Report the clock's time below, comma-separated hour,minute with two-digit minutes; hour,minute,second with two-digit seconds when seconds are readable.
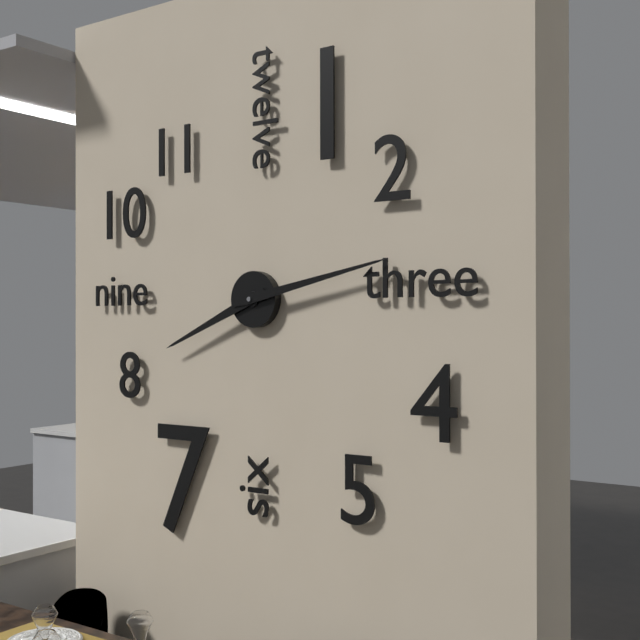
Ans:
8,13
